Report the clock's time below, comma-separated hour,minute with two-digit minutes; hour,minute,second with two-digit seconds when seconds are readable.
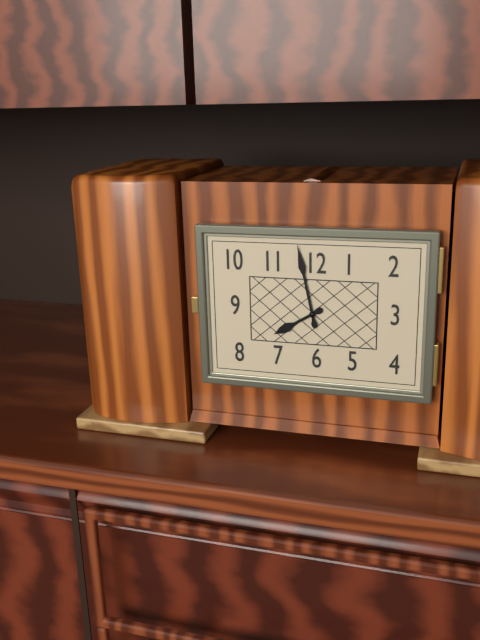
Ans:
7,58
